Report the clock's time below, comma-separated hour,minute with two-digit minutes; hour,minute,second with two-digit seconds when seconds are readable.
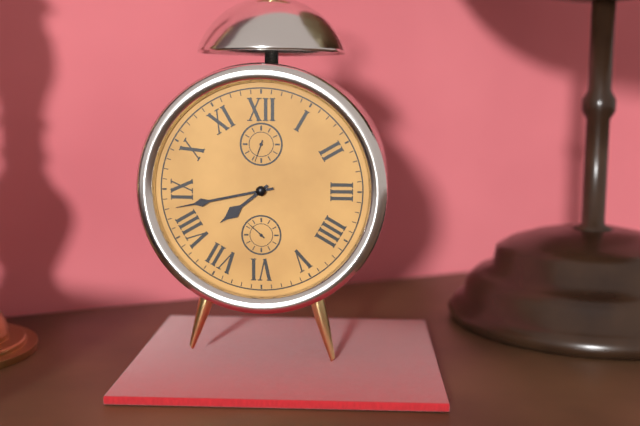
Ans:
7,43
